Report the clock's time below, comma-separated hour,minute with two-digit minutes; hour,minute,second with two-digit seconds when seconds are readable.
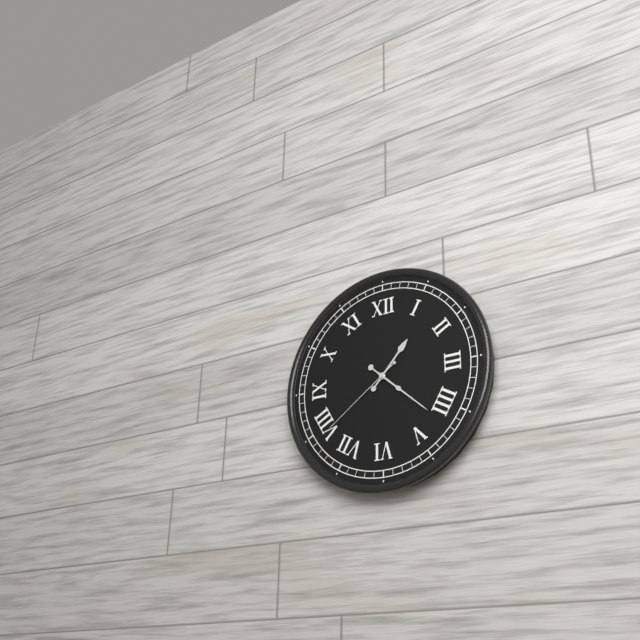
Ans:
1,22,39
